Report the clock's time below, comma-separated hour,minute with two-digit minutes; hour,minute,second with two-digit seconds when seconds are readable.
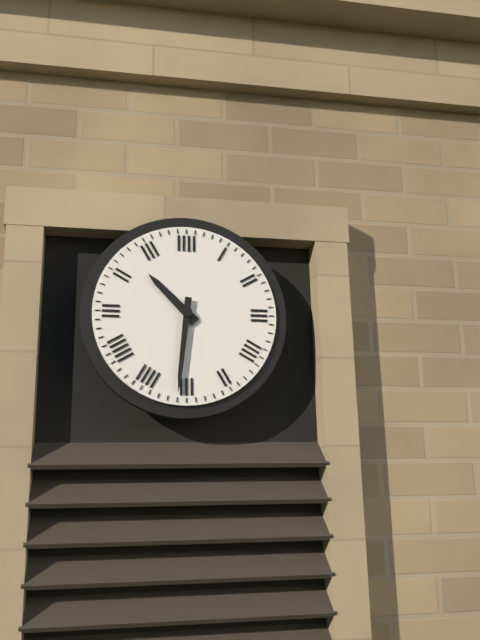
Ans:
10,31
